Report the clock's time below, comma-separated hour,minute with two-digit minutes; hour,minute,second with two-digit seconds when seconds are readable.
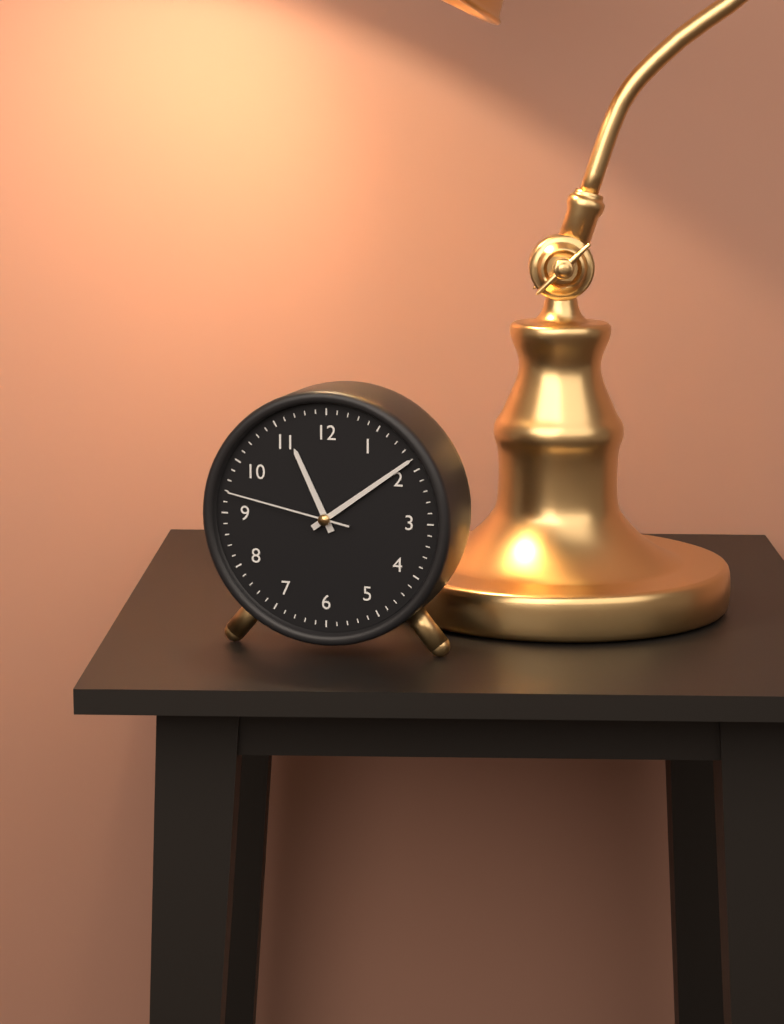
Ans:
11,09,47
